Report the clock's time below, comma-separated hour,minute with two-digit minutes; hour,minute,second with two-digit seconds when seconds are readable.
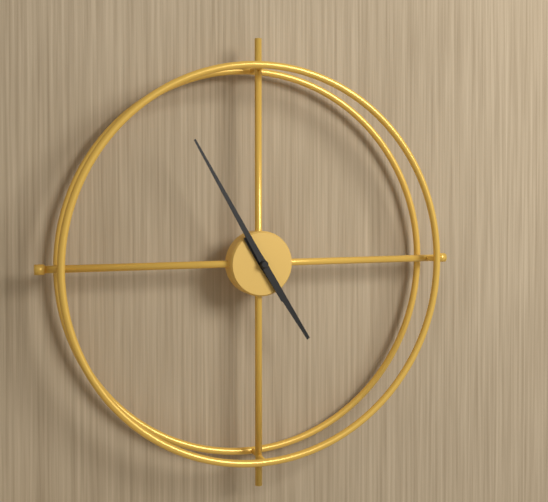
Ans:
4,55
